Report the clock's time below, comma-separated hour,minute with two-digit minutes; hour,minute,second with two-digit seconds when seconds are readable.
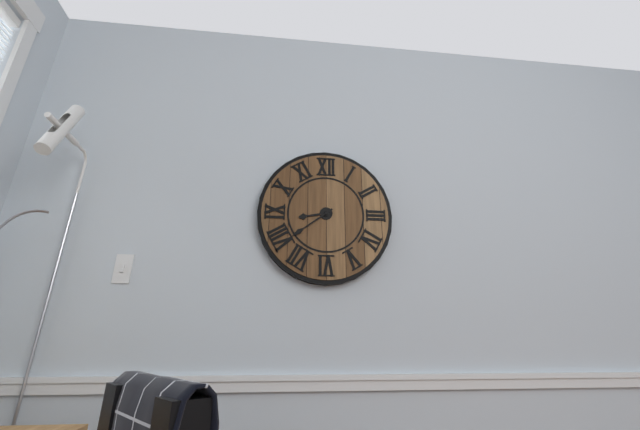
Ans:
8,39
